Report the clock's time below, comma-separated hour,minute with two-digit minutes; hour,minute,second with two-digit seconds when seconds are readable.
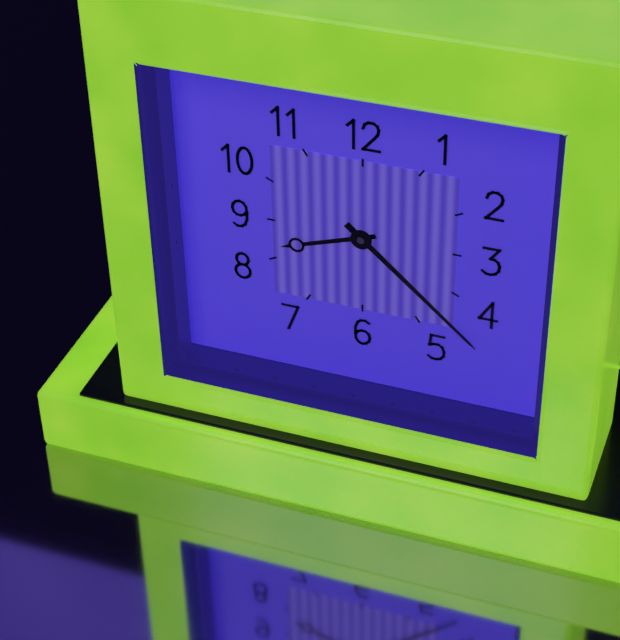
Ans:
8,22
